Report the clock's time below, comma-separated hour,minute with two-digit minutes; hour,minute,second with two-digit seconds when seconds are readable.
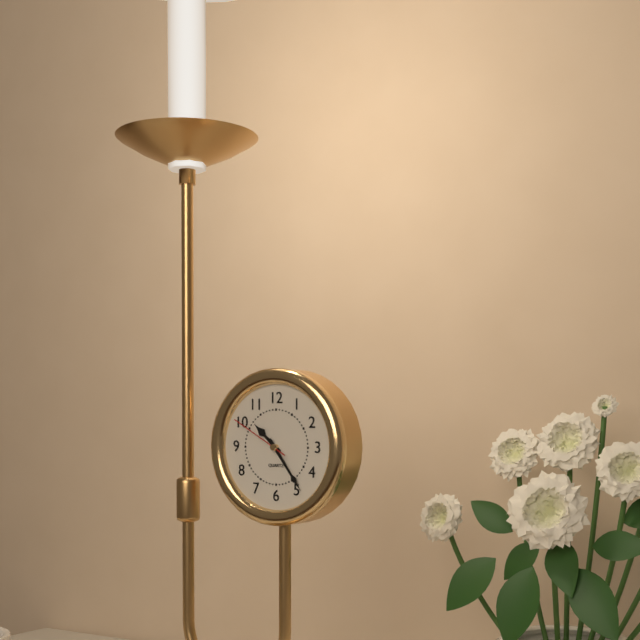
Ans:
10,24,50
